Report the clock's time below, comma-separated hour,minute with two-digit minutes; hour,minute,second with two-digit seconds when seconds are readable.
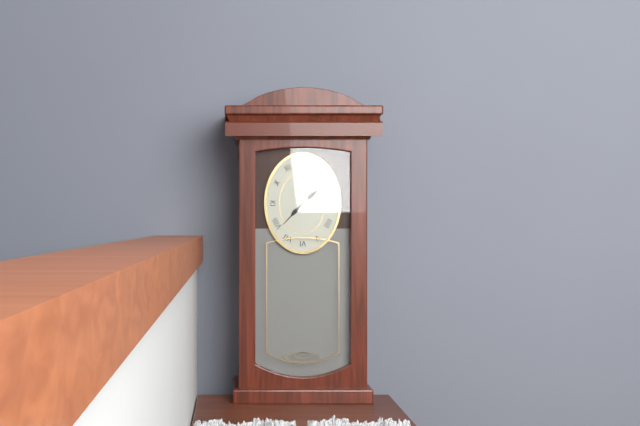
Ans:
1,37
